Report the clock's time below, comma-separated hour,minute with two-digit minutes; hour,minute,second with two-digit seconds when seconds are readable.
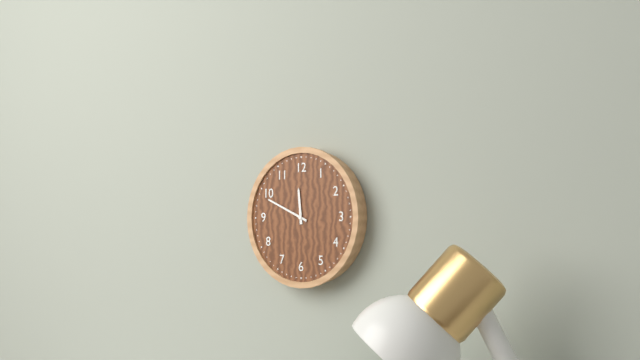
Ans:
11,49
